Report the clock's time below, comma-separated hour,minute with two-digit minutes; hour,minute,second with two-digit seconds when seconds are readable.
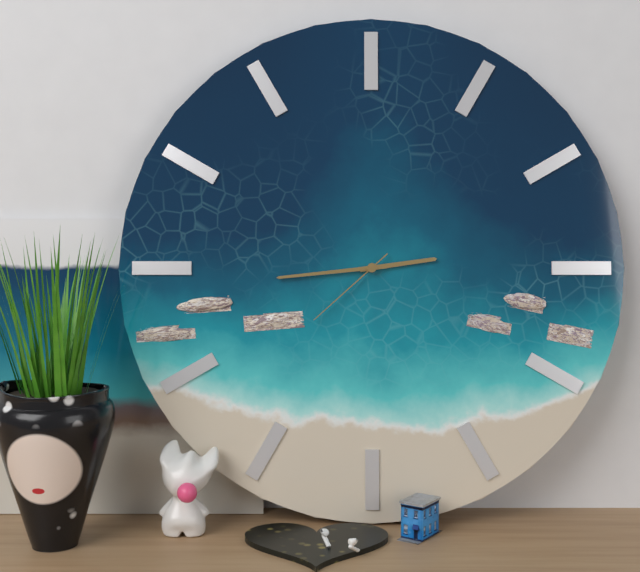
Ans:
2,44,38
